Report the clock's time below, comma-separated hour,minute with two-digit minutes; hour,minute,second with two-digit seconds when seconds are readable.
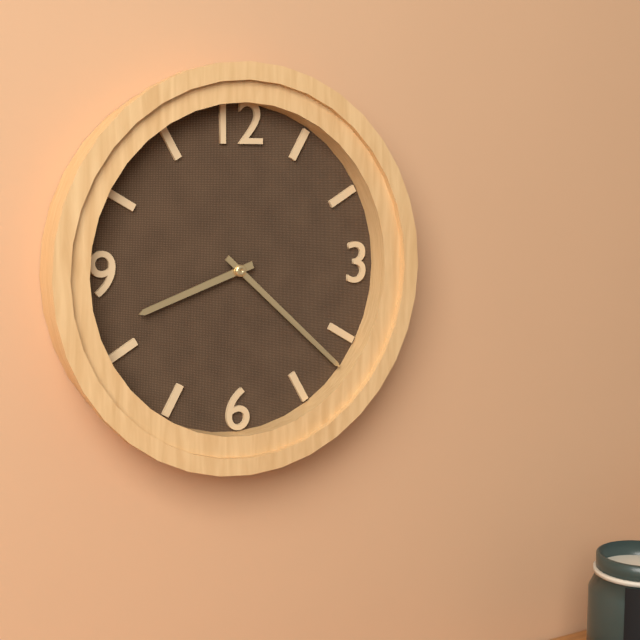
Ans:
8,22
